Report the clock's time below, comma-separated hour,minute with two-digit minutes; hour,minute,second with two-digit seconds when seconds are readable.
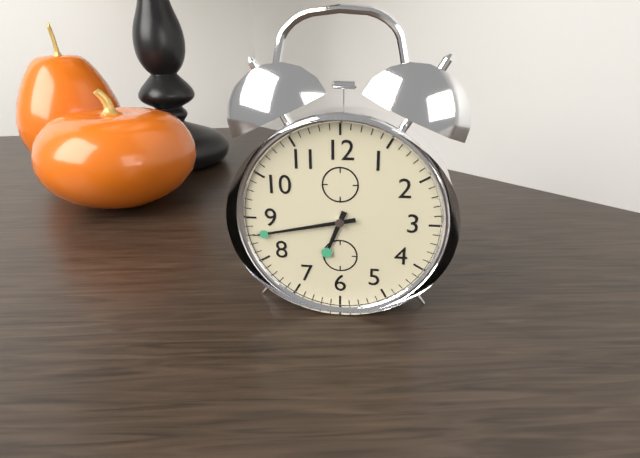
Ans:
6,43
